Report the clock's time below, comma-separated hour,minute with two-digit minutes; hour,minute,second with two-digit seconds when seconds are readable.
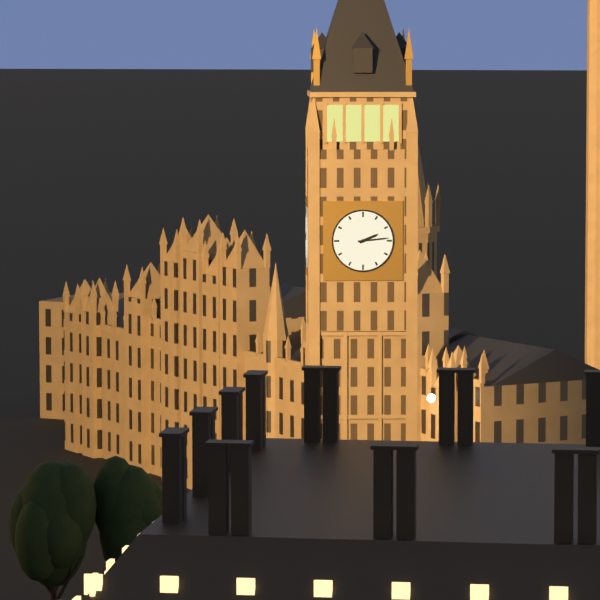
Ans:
2,14
